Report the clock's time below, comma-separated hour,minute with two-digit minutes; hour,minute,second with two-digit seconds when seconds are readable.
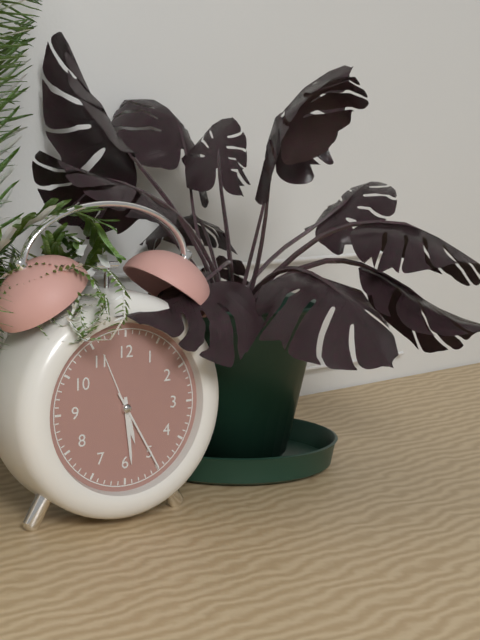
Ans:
5,29,25
